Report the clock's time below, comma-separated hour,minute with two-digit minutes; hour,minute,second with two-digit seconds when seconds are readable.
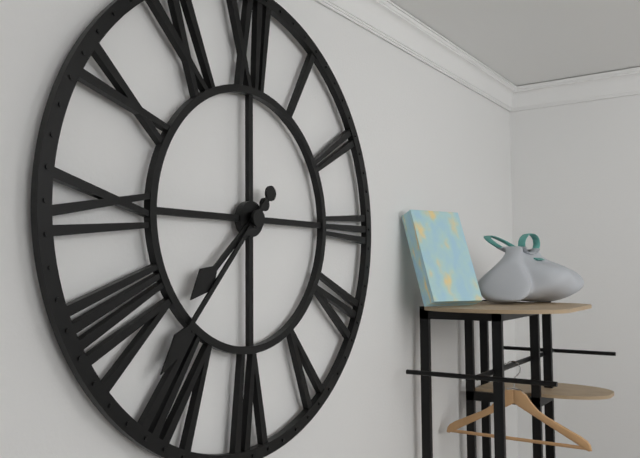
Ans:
7,37
